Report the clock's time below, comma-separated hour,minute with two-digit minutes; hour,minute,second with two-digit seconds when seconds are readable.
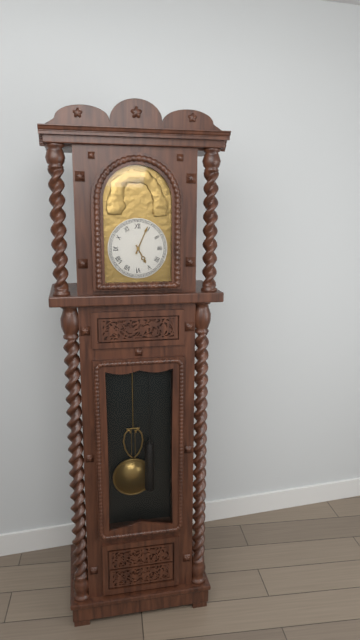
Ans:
5,04
